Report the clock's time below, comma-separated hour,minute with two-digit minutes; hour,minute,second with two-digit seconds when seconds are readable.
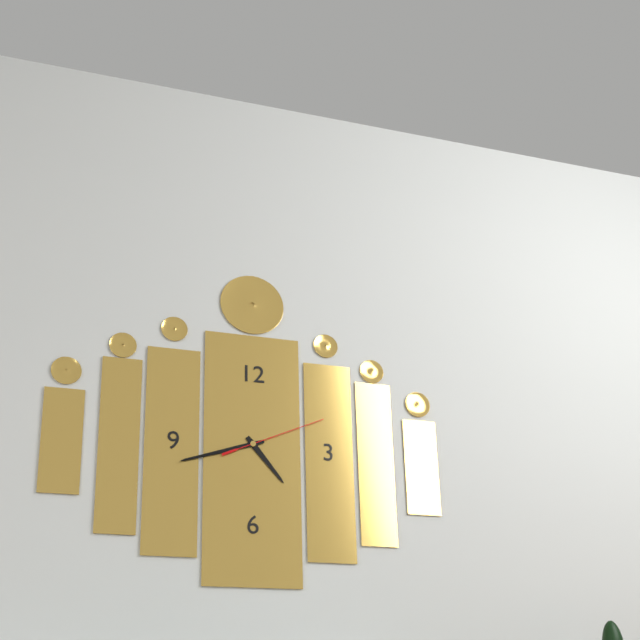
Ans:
4,42,11
